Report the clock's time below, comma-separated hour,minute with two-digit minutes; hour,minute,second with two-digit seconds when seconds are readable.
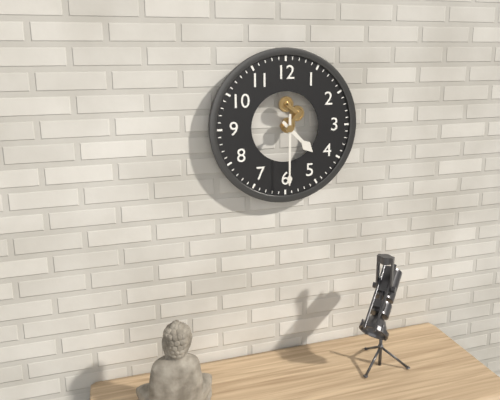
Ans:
4,30
